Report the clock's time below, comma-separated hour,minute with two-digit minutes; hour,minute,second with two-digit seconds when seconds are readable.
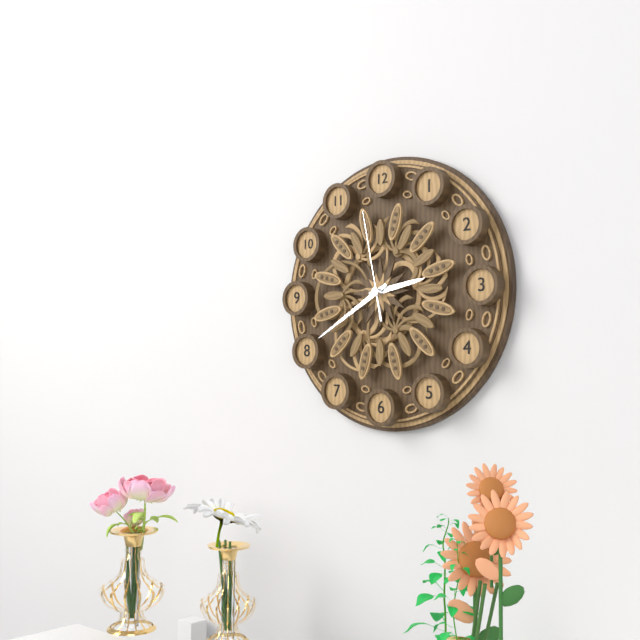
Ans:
2,40,58
